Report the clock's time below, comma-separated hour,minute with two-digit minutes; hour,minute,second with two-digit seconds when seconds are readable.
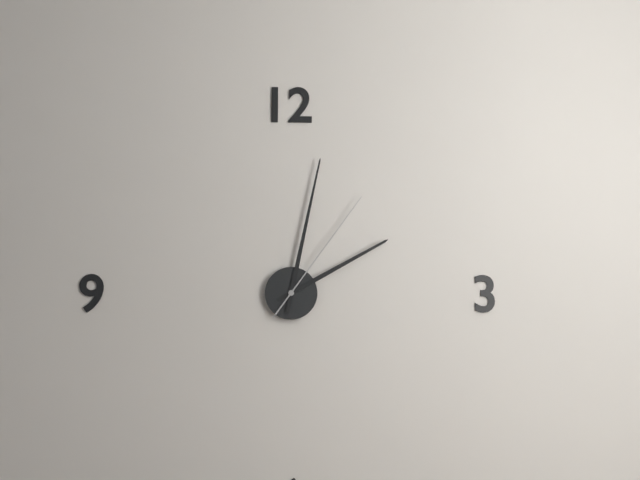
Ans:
2,02,06
